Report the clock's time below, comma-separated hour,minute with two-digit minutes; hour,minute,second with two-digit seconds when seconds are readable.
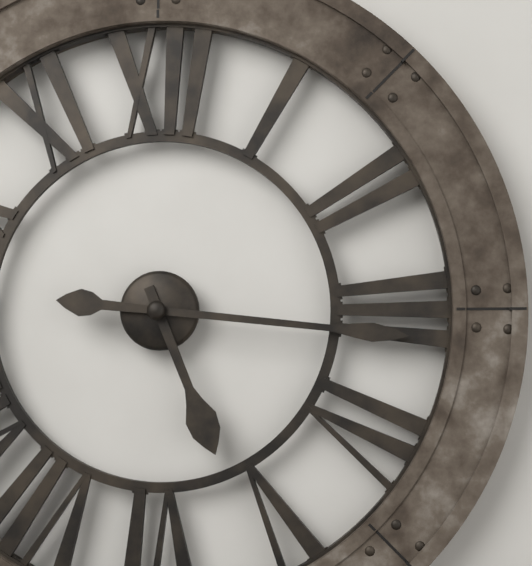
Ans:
5,16
